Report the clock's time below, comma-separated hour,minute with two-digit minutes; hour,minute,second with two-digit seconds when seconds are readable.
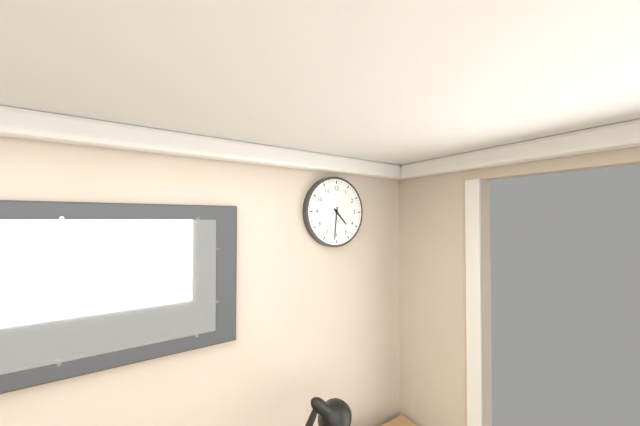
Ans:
4,31
